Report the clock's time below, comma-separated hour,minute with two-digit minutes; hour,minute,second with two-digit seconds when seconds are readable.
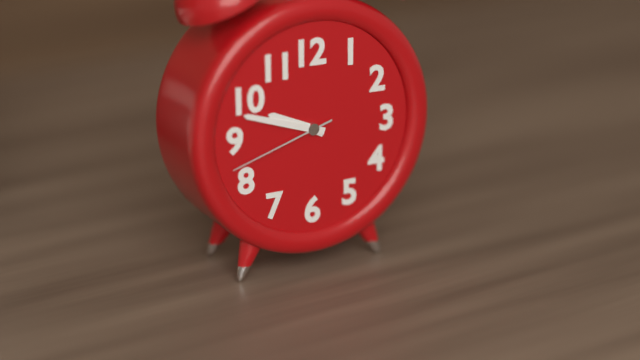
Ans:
9,48,42
